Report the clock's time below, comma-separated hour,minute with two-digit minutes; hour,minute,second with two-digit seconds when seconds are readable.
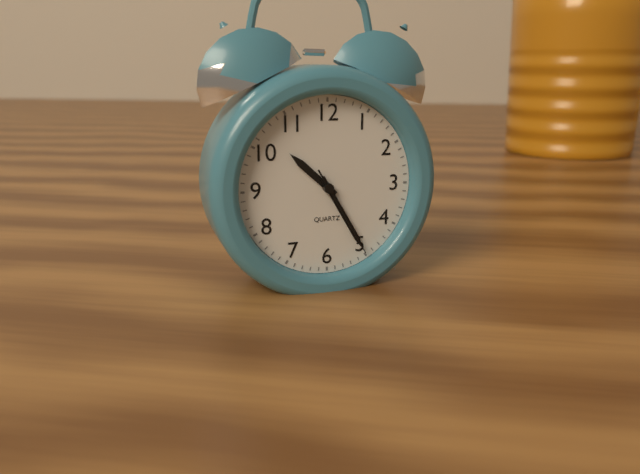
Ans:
10,25,25
